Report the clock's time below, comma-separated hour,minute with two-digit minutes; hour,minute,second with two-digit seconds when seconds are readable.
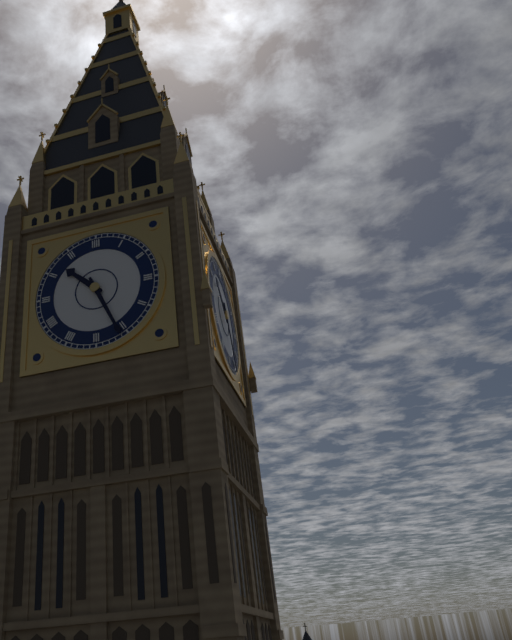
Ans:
10,26
